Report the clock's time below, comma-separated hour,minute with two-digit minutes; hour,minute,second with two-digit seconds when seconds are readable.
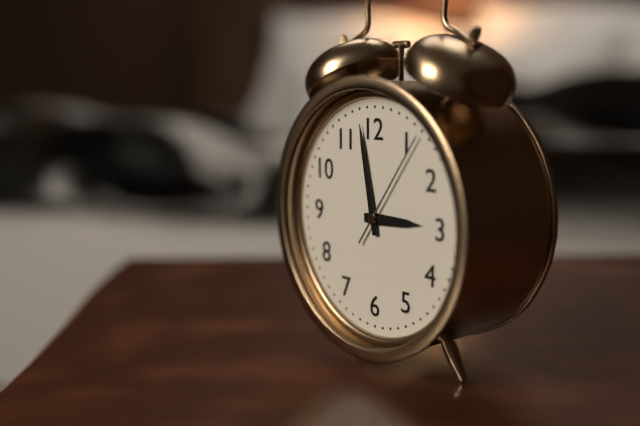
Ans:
2,58,06
